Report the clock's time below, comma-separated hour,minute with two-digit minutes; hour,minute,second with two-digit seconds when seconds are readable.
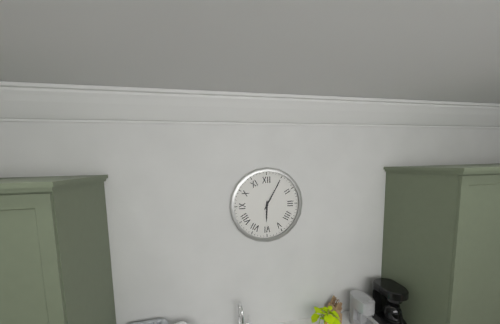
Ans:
6,05
